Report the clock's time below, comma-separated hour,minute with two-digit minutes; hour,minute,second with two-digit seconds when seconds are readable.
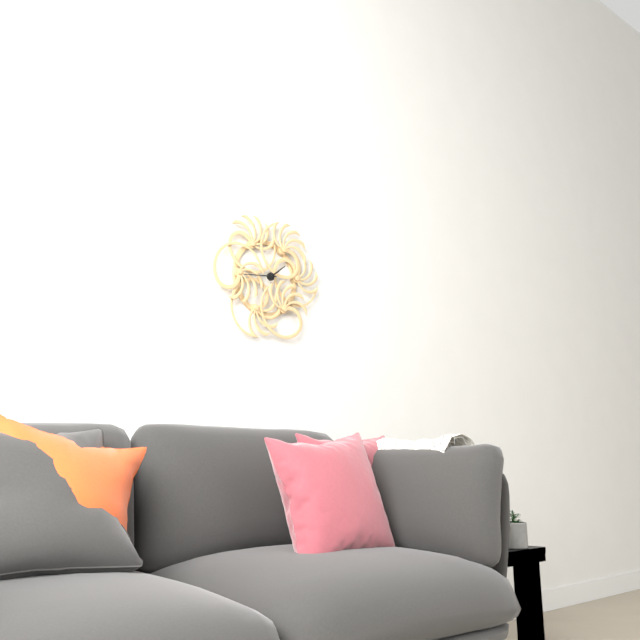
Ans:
1,44
